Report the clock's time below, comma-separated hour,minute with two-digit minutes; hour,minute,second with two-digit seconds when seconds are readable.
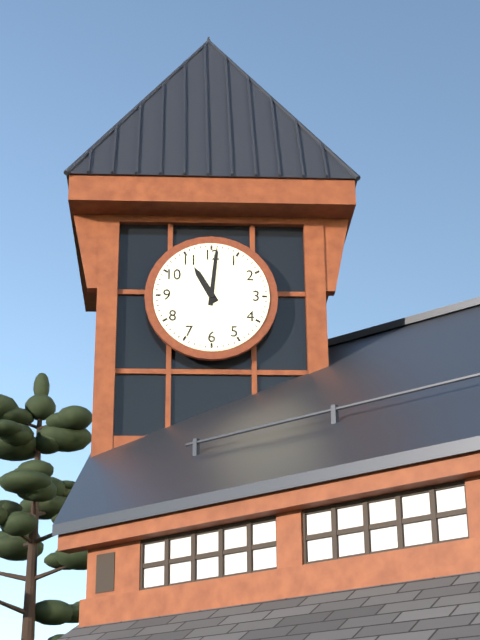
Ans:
11,01
